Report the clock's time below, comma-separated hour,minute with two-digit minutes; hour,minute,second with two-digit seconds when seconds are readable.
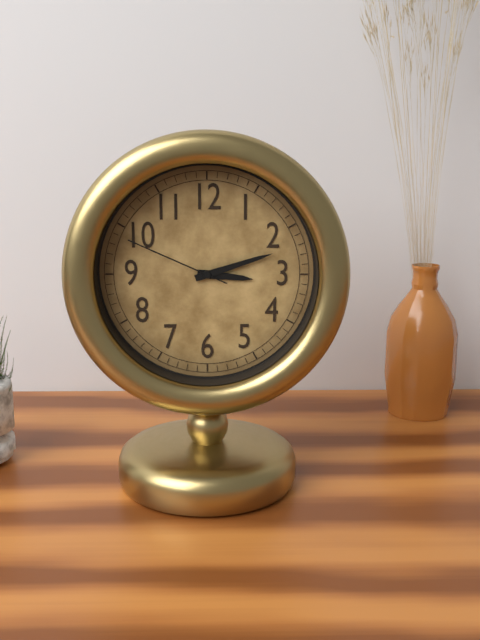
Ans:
3,12,49
